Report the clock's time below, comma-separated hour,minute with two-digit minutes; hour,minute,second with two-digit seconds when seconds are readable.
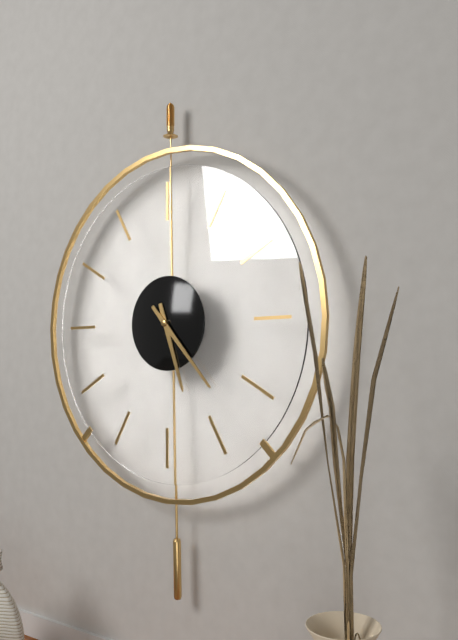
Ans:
5,23
